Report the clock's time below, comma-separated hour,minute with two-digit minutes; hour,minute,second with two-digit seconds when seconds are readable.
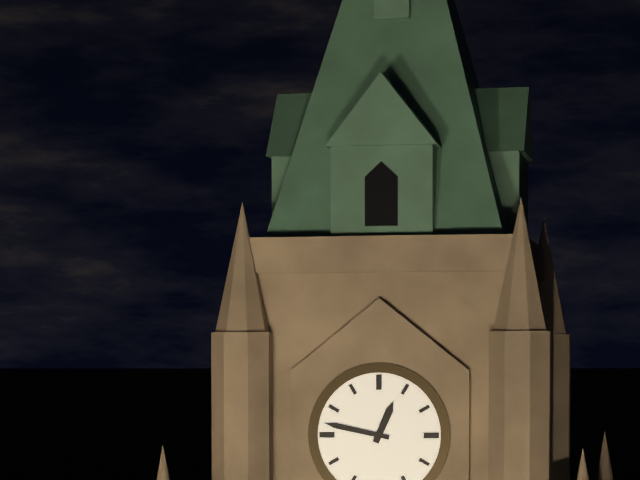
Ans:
12,47
